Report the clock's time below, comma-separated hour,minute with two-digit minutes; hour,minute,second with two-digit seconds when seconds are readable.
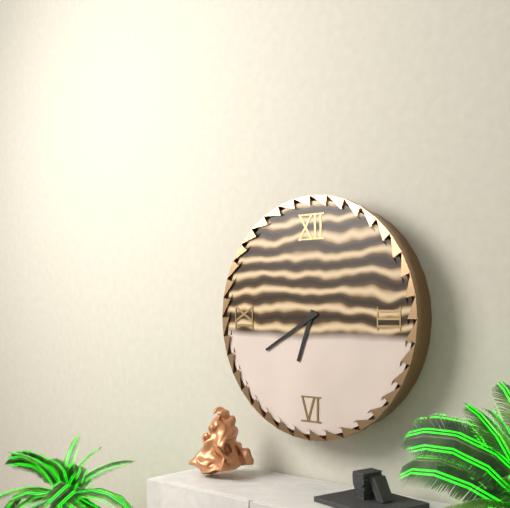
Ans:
6,40
